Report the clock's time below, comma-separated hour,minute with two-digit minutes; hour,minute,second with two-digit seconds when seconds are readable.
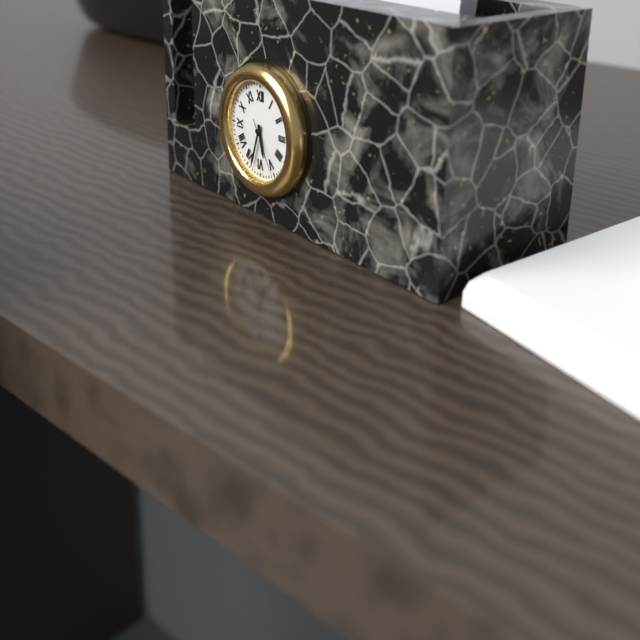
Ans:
5,33,25
